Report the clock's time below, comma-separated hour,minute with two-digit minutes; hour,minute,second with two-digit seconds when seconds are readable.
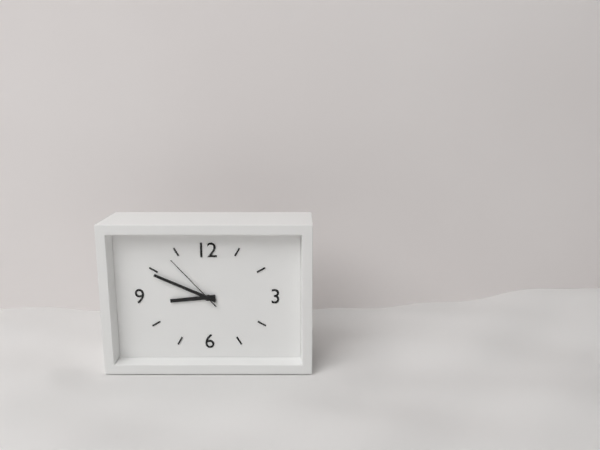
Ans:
8,49,53
